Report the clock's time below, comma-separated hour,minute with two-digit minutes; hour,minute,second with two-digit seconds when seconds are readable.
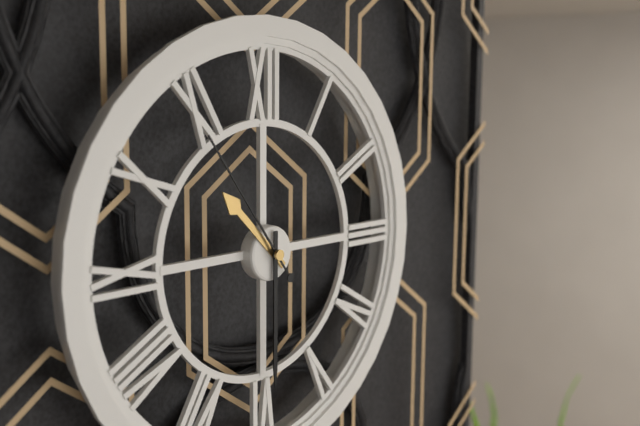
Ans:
10,30,54
